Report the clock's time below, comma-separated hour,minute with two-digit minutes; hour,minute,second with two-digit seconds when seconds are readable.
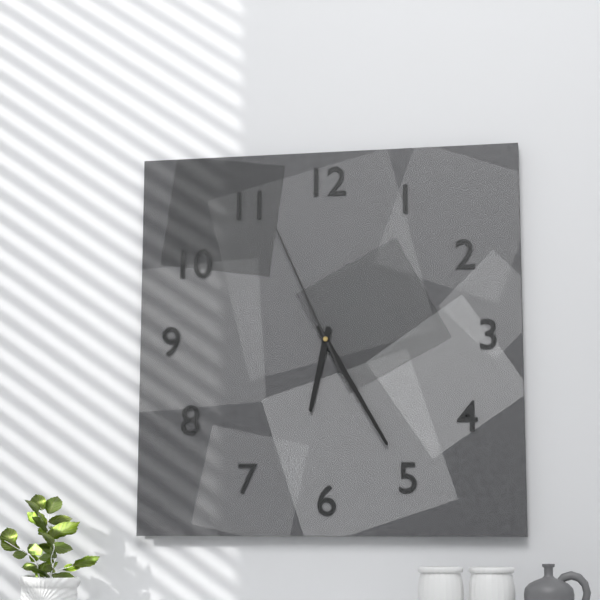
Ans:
6,25,56
